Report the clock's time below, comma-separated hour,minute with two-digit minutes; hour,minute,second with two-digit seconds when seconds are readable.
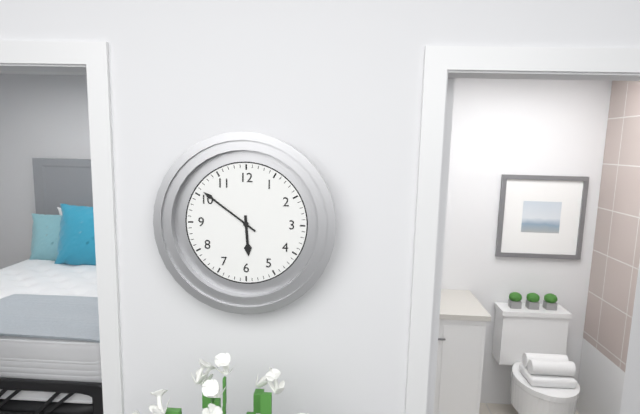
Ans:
5,51
